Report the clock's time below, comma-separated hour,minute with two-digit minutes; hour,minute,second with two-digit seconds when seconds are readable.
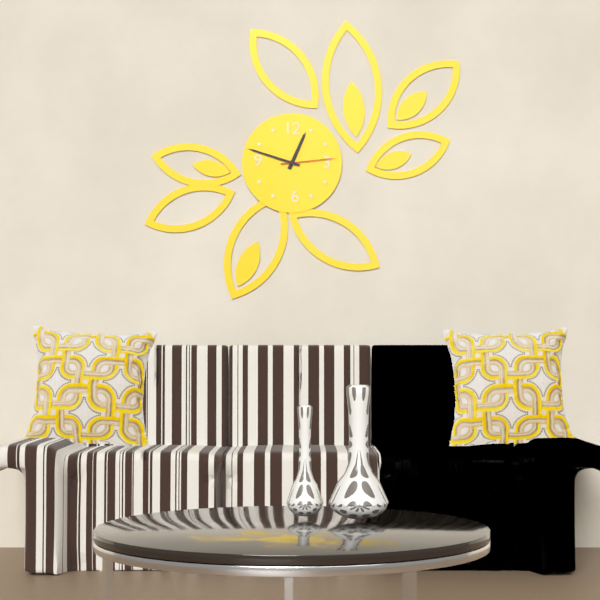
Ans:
12,48,14
